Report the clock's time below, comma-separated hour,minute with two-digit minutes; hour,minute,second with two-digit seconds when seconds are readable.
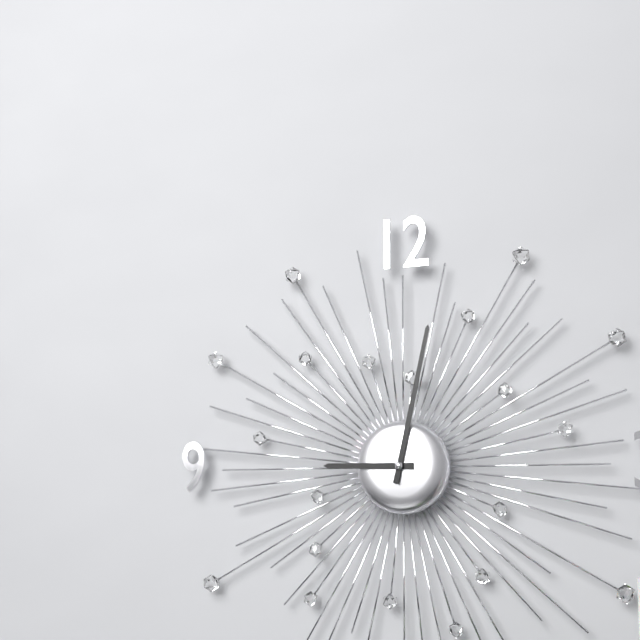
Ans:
9,02
